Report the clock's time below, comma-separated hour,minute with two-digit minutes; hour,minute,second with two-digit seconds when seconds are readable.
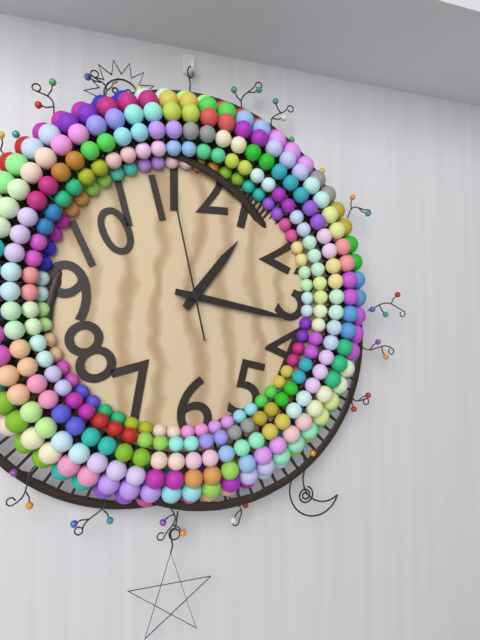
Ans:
1,17,58
